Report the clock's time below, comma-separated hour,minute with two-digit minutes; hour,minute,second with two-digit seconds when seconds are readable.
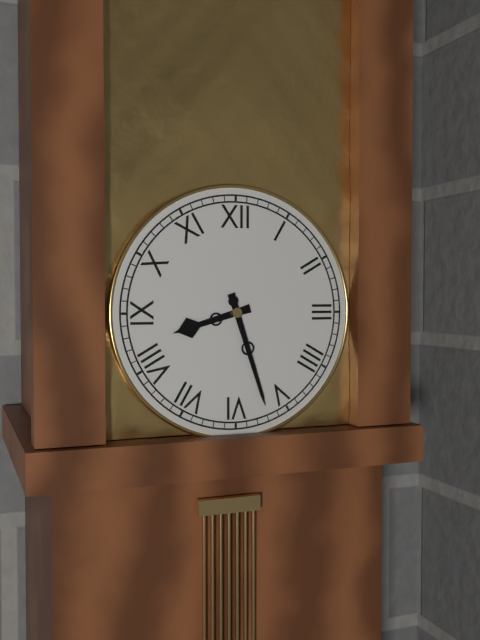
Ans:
8,27
